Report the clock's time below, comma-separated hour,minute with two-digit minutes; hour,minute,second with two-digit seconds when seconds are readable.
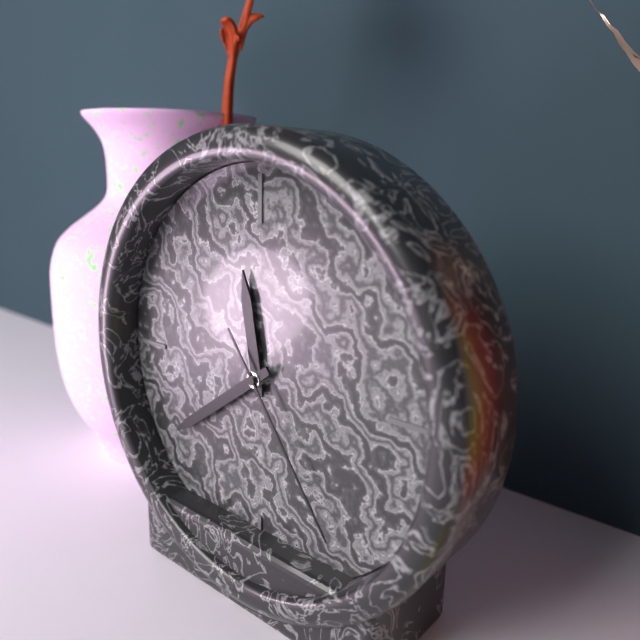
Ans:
11,39,24
